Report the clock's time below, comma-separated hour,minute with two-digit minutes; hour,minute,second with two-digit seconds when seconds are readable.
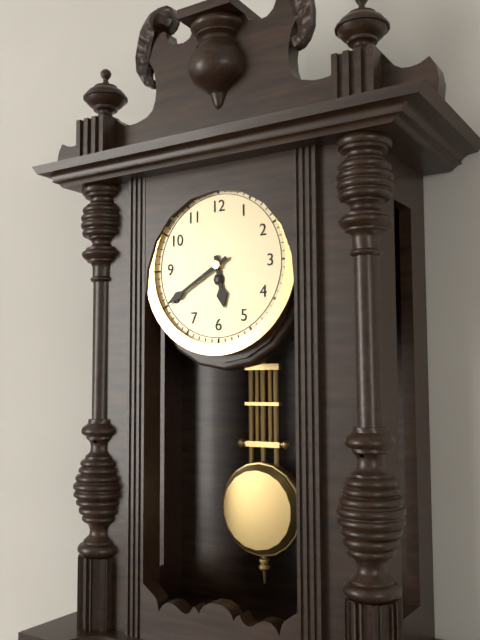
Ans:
5,40
